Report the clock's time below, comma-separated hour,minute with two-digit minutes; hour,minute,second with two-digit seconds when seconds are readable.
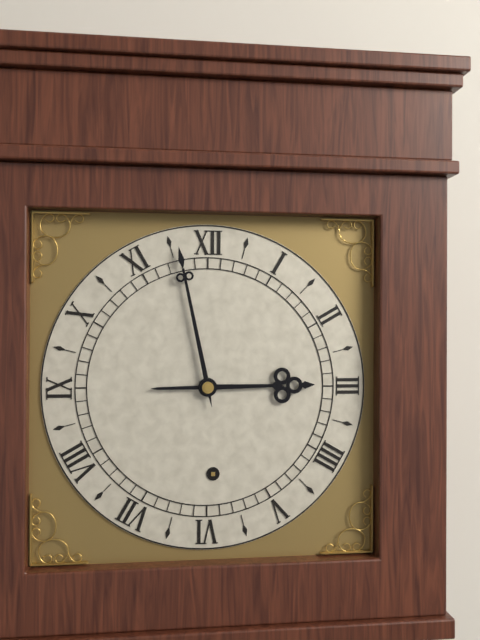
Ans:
2,58
